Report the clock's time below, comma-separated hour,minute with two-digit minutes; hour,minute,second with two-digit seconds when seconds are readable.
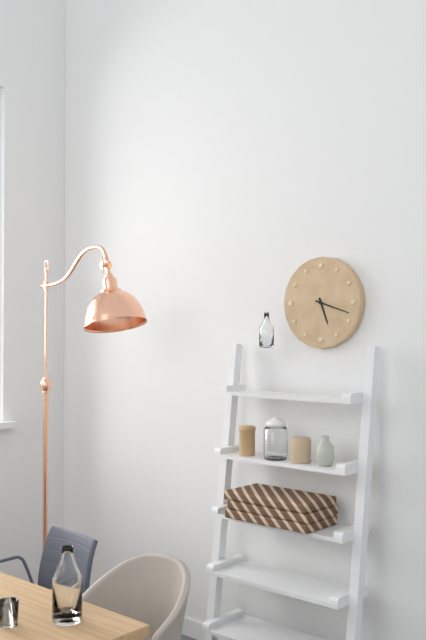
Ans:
5,18
